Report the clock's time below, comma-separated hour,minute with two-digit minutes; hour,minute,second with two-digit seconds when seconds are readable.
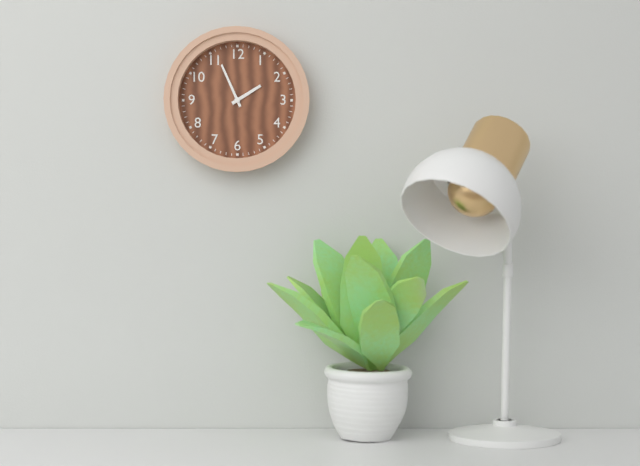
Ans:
1,56
